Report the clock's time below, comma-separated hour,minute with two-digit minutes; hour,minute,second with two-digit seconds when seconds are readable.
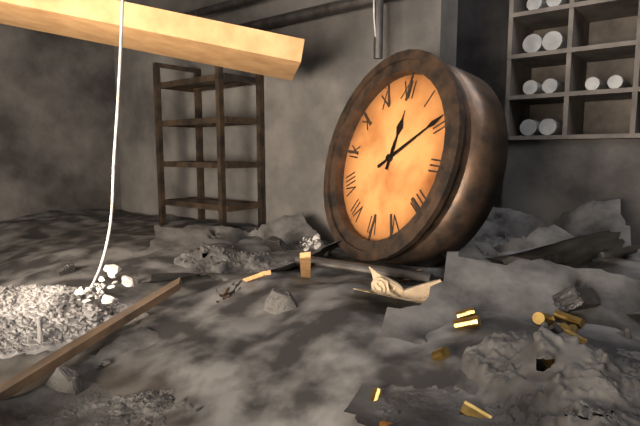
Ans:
12,09
